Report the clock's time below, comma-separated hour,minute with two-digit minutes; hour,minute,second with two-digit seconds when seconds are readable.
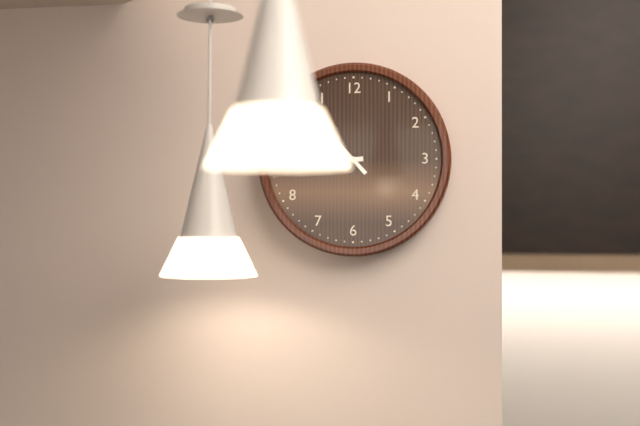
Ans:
8,53
